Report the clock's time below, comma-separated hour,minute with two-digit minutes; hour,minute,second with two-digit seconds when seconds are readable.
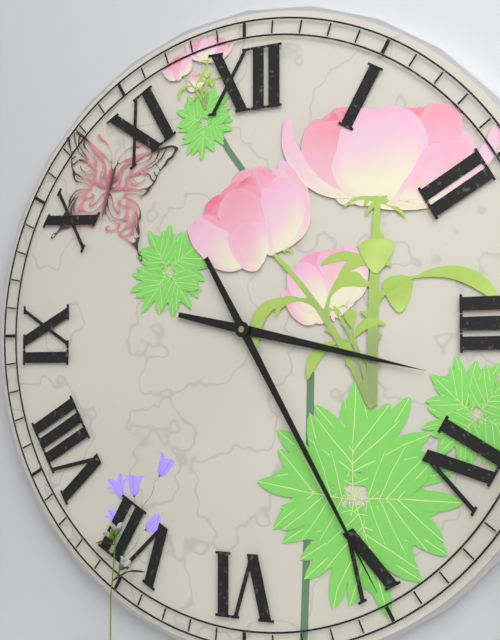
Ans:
3,25
